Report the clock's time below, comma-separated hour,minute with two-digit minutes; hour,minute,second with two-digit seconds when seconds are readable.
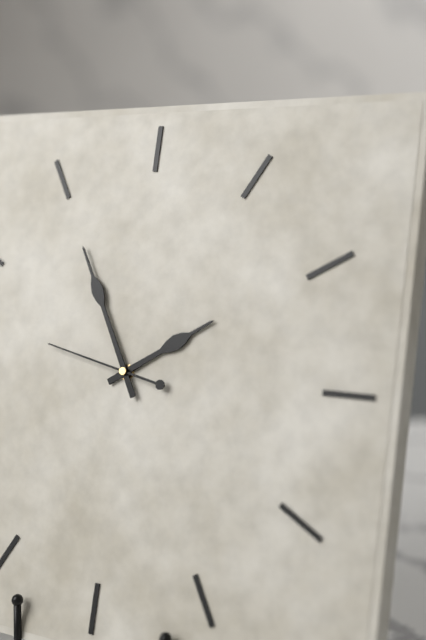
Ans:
1,55,47
